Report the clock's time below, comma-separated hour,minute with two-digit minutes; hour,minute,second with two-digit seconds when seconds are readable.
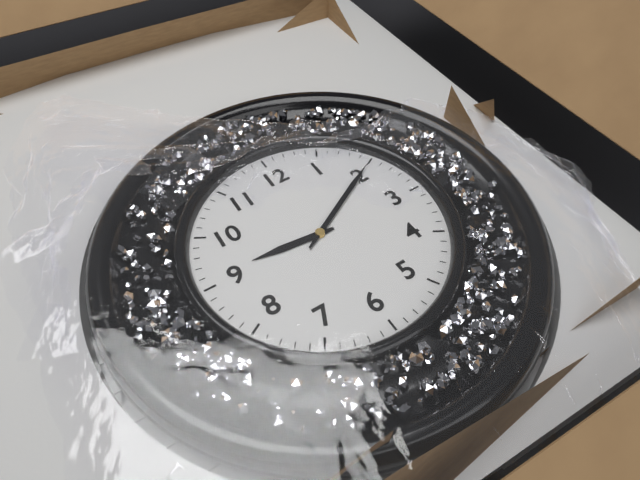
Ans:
9,10
